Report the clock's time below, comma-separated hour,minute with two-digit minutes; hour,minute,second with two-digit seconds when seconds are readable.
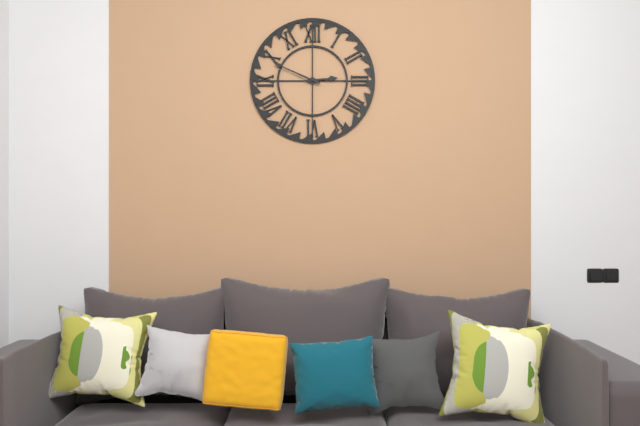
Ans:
2,49
